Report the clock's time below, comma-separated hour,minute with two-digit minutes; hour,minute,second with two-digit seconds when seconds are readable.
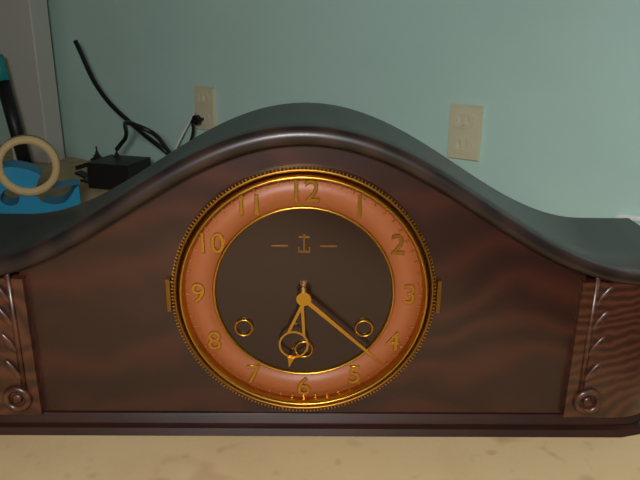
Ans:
6,22
